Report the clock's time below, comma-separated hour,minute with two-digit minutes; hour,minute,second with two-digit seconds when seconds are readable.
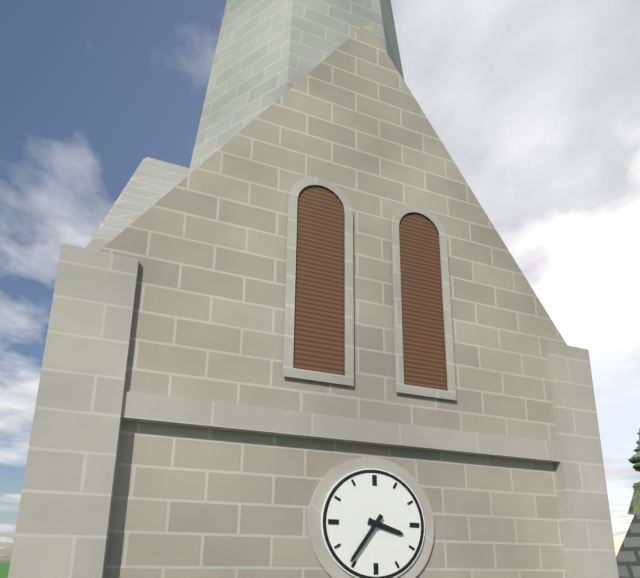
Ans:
3,36
